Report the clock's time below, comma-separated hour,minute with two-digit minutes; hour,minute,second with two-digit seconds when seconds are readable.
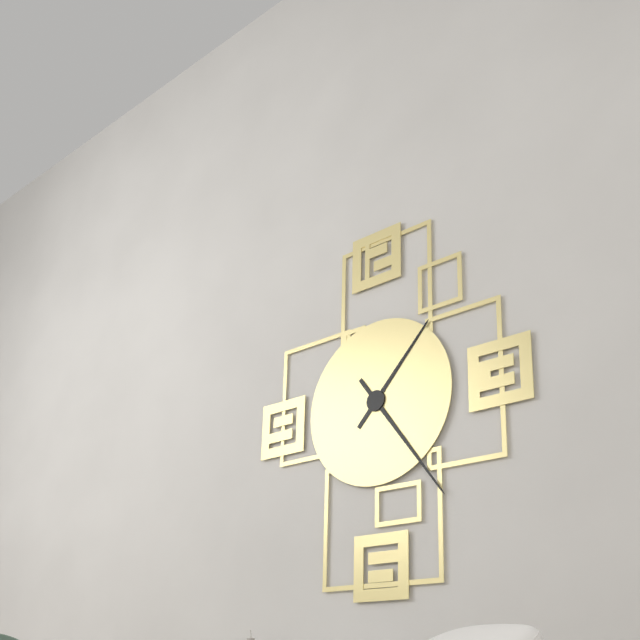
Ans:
1,24
